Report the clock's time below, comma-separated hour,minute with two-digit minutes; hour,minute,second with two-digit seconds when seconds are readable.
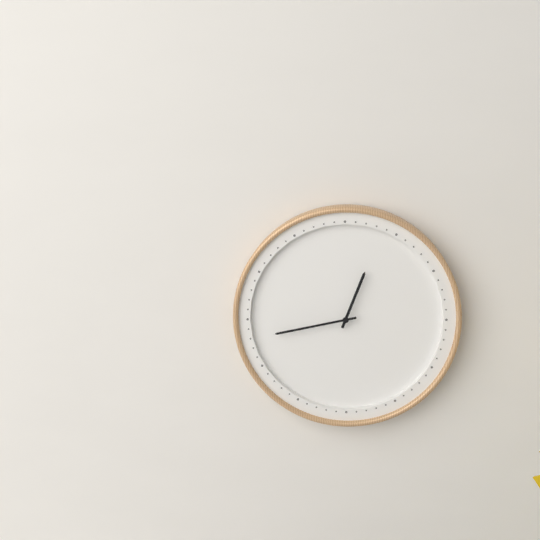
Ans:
12,43
